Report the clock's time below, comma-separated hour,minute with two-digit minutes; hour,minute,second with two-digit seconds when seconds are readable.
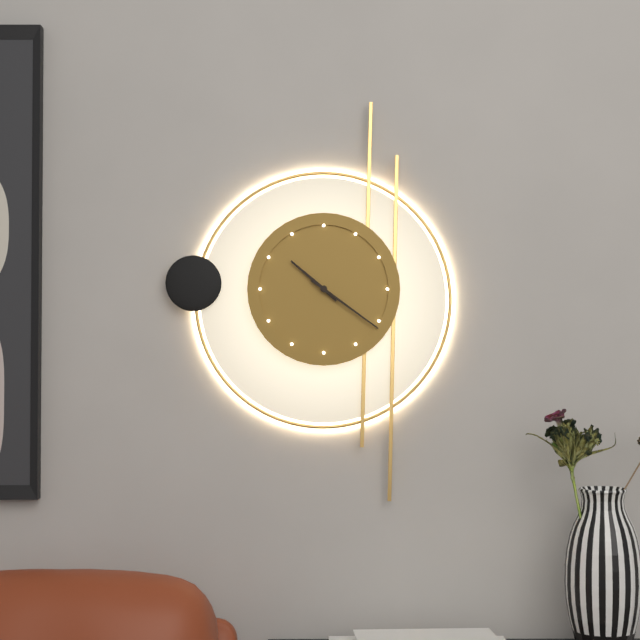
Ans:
10,21
